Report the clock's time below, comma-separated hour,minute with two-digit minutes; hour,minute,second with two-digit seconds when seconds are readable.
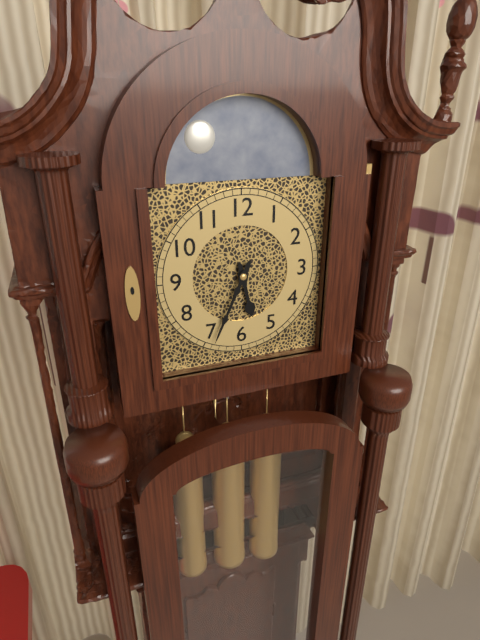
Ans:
5,34
